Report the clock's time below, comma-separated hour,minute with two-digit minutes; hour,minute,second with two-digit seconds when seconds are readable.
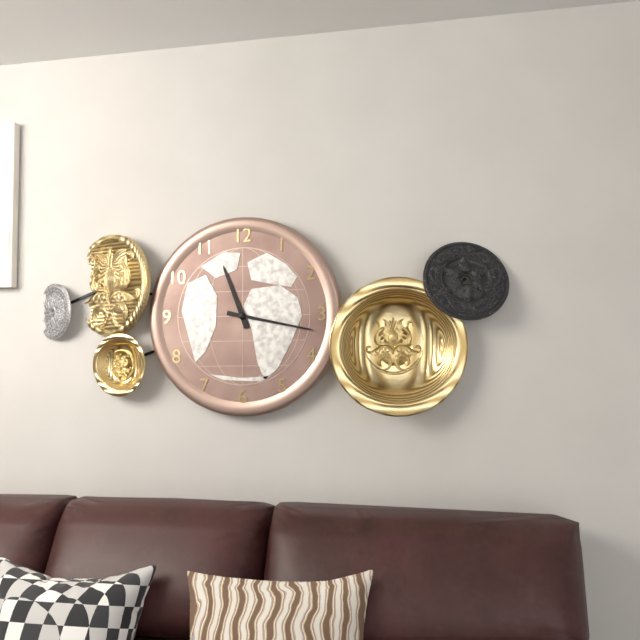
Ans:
11,17
